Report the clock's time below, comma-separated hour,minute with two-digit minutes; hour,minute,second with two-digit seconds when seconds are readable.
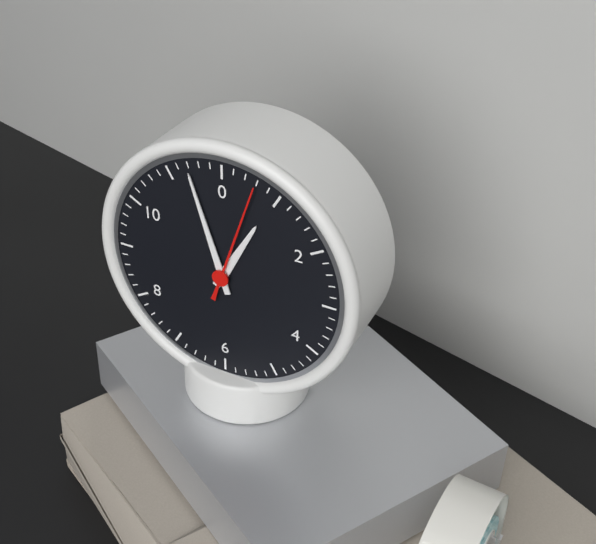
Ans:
12,57,03
